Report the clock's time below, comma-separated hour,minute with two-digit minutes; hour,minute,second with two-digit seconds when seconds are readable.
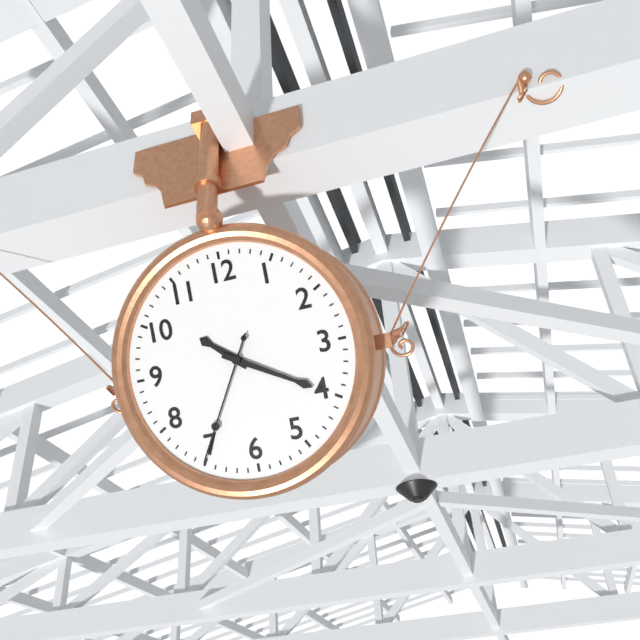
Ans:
10,20,35
